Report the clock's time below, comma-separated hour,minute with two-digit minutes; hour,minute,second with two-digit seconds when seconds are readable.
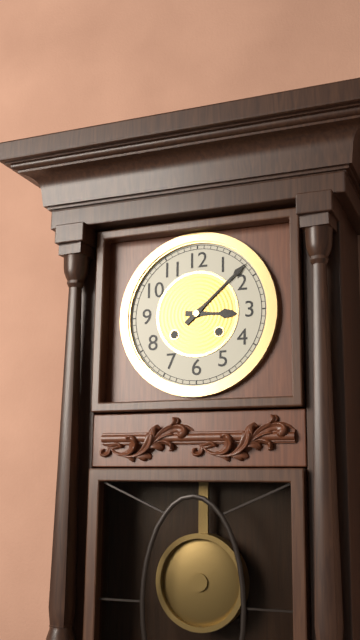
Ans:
3,08
